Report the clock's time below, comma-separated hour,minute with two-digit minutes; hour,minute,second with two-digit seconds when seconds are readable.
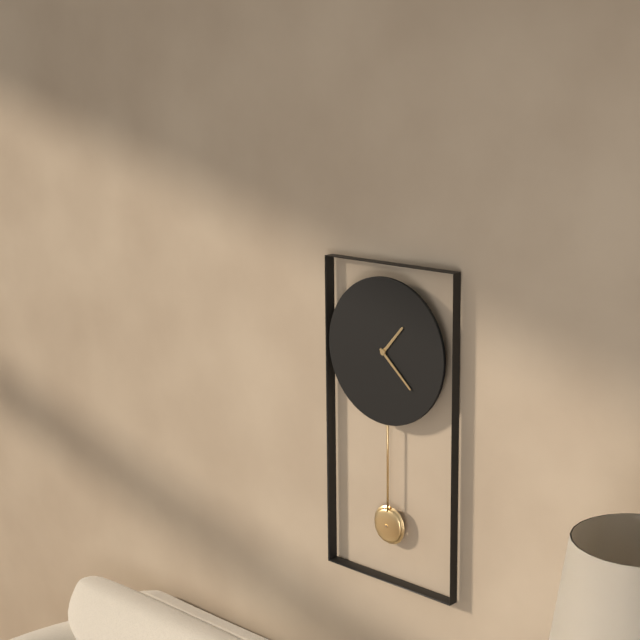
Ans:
1,22
